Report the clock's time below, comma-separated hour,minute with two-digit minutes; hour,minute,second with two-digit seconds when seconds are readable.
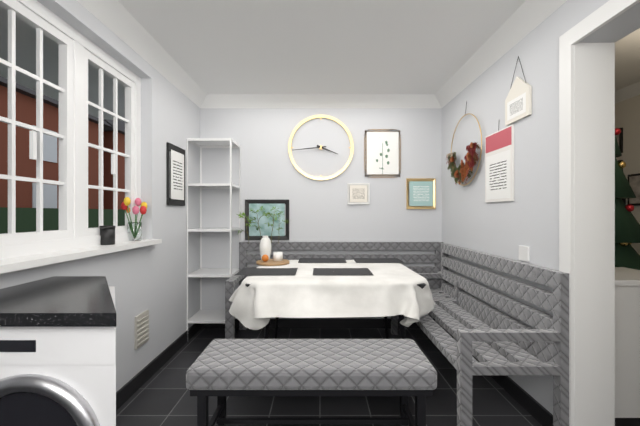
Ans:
3,44
